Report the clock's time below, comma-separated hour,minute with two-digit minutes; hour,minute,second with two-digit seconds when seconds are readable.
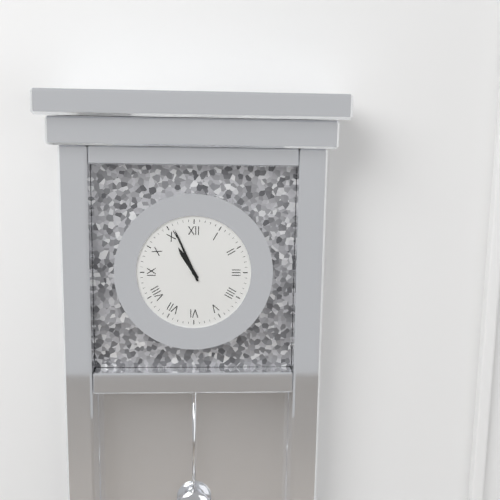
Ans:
10,56
